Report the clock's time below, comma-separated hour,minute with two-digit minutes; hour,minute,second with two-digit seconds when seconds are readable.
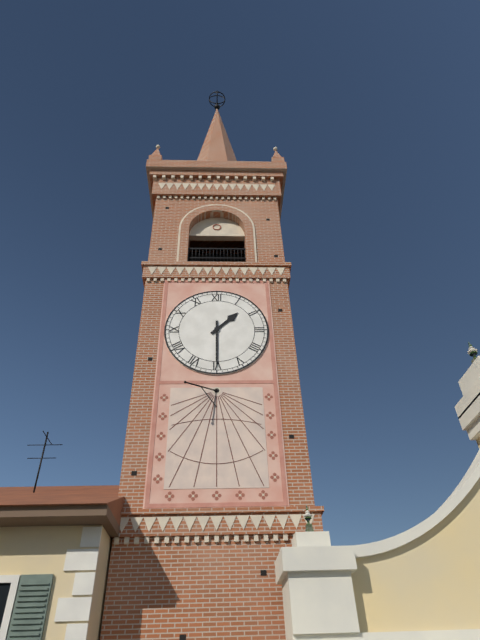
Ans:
1,30
